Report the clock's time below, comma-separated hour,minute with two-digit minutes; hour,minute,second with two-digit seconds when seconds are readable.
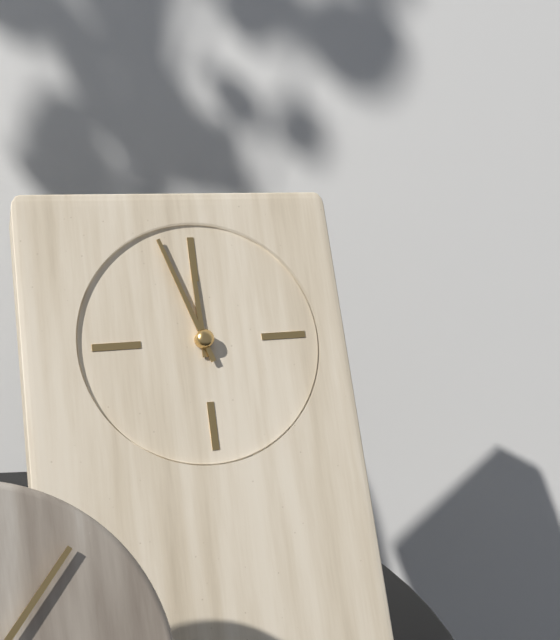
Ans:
11,57
